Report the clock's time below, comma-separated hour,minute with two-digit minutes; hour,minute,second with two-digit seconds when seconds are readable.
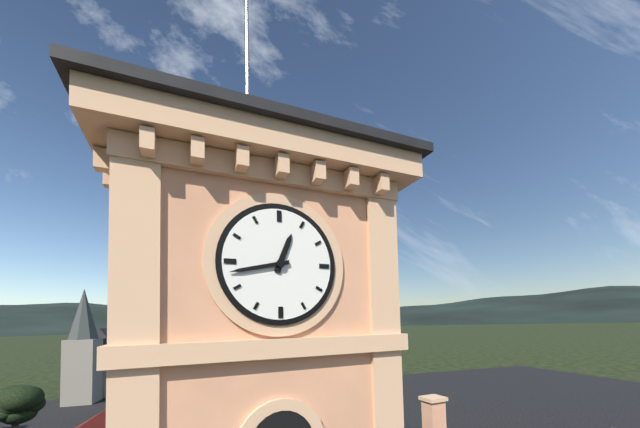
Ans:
12,43
